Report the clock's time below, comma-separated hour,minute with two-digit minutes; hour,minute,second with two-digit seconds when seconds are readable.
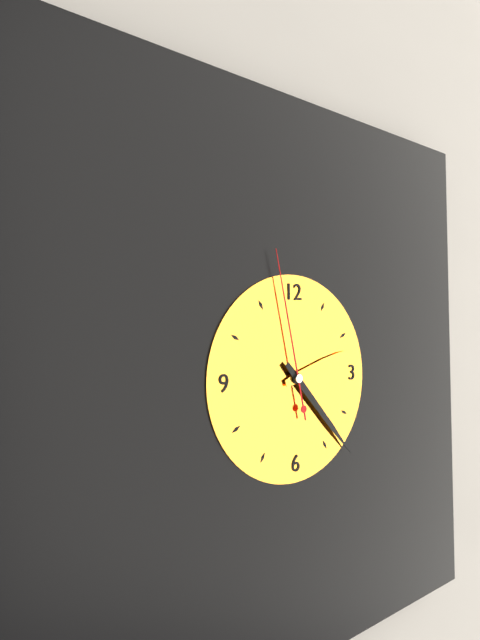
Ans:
2,23,58
